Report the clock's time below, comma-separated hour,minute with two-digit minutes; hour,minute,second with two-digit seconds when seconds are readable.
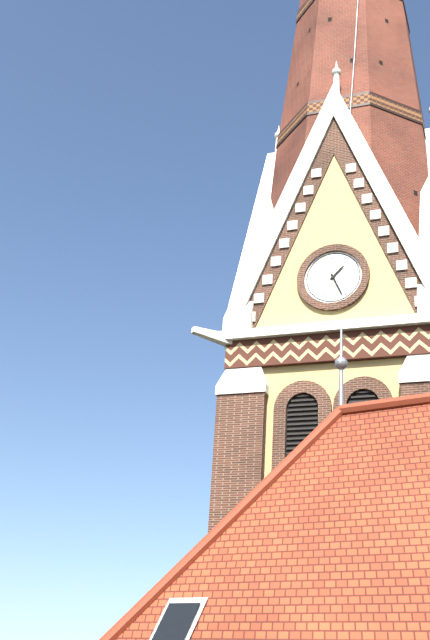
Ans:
1,26
